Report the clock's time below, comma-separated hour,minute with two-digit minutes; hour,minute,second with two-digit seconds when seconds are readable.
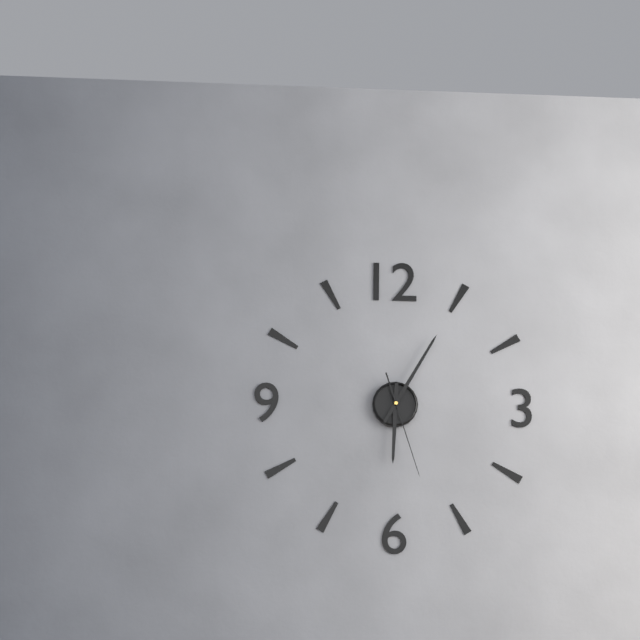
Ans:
6,05,27
